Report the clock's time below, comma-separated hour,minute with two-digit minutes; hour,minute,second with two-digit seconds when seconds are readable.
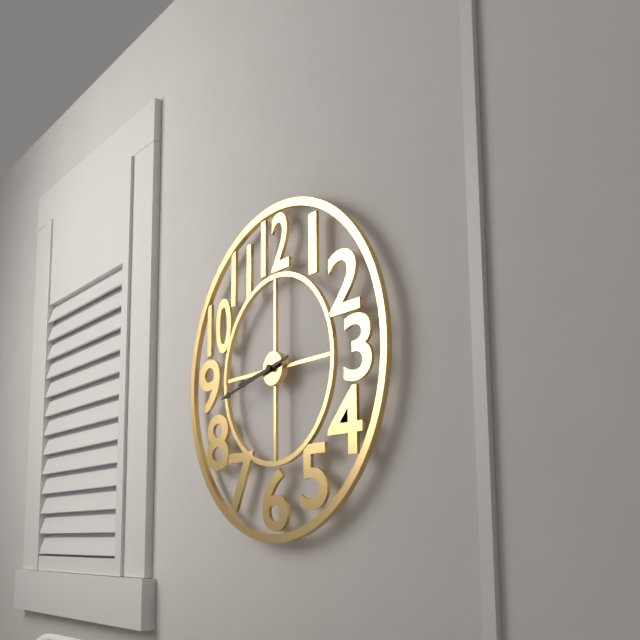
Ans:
8,43
